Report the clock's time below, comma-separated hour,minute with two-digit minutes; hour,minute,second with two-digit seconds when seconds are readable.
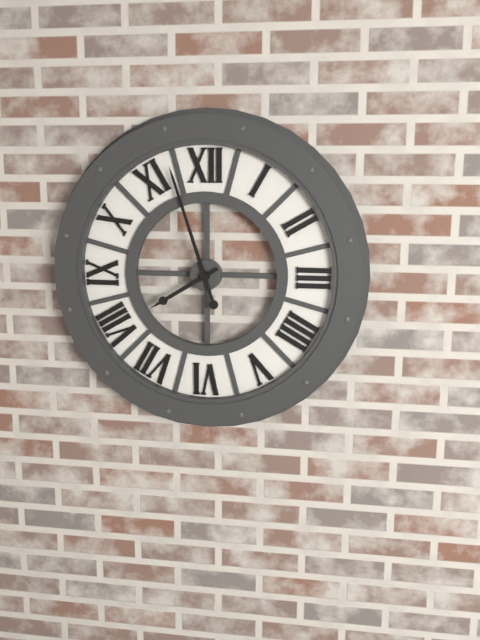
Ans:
7,57
